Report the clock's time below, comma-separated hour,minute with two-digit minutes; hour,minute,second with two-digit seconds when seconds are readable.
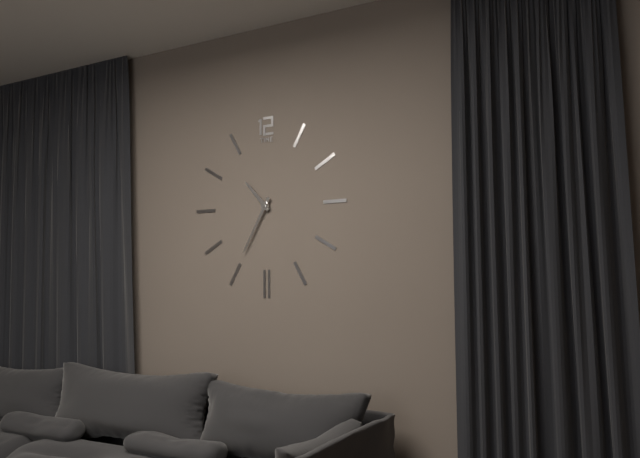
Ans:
10,35
